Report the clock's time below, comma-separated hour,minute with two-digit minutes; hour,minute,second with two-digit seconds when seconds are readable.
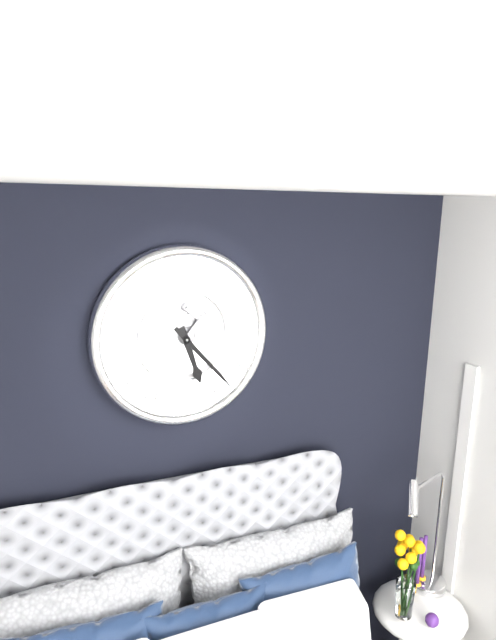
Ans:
5,23
